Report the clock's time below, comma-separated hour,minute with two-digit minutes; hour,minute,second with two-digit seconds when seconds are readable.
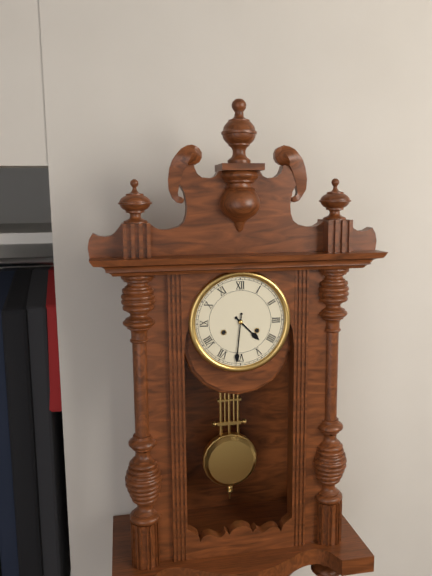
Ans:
4,31
